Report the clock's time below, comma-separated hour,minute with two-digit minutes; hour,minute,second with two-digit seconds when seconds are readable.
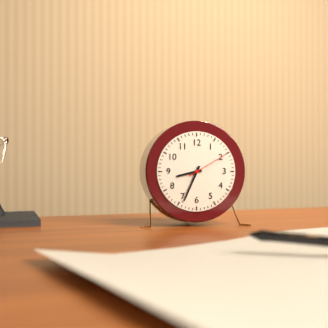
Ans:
8,34
